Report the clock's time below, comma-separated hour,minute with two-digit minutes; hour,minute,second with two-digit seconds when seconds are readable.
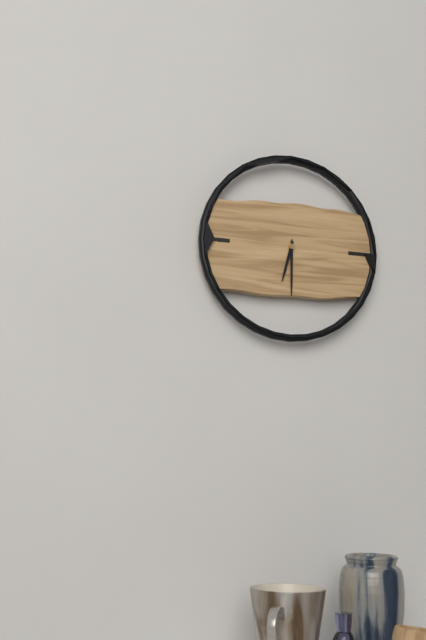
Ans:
6,30
